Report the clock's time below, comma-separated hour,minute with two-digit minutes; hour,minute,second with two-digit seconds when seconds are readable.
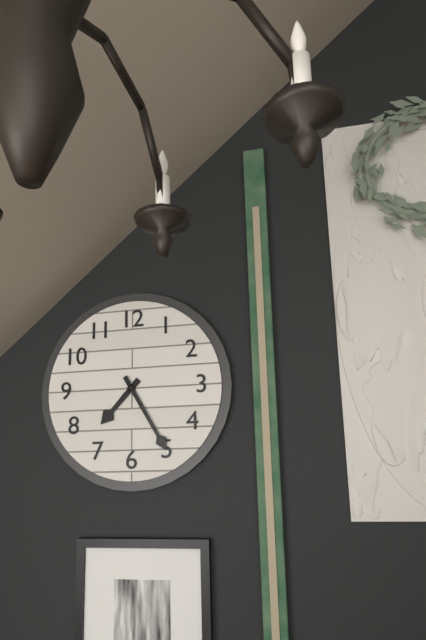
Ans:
7,25
